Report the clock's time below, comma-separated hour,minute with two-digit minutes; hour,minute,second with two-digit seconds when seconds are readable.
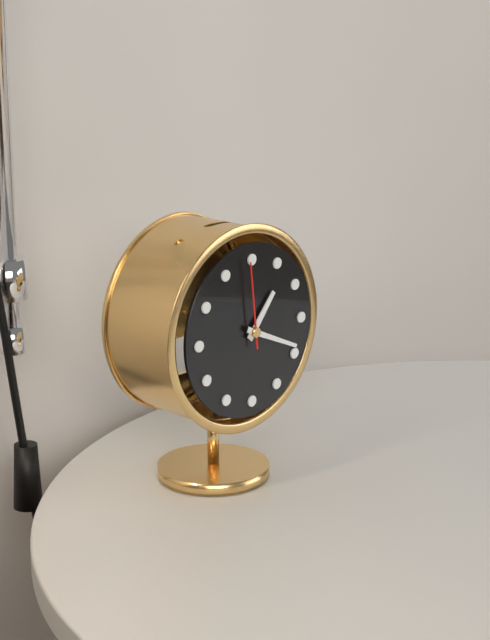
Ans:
1,19,59
